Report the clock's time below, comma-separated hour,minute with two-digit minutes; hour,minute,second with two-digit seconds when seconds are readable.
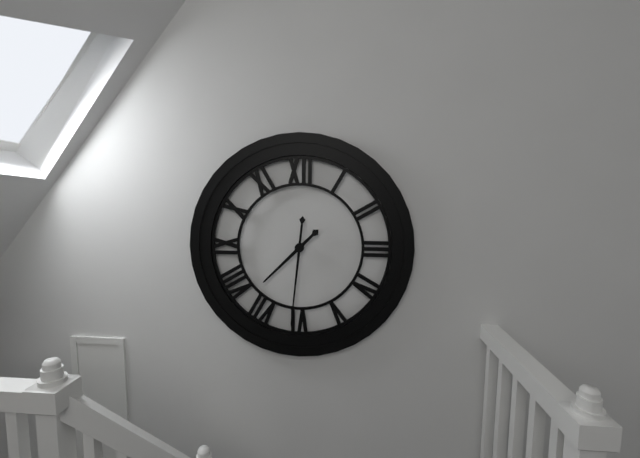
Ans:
7,31
